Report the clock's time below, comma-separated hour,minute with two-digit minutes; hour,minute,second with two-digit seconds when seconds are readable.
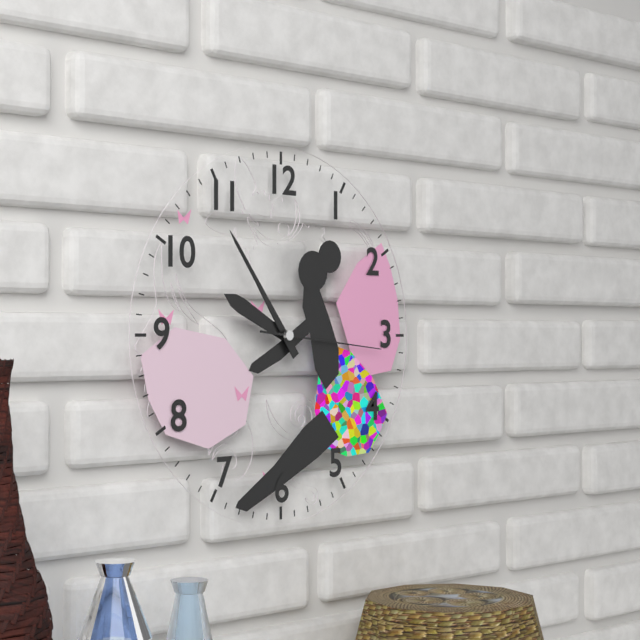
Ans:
9,54,16
